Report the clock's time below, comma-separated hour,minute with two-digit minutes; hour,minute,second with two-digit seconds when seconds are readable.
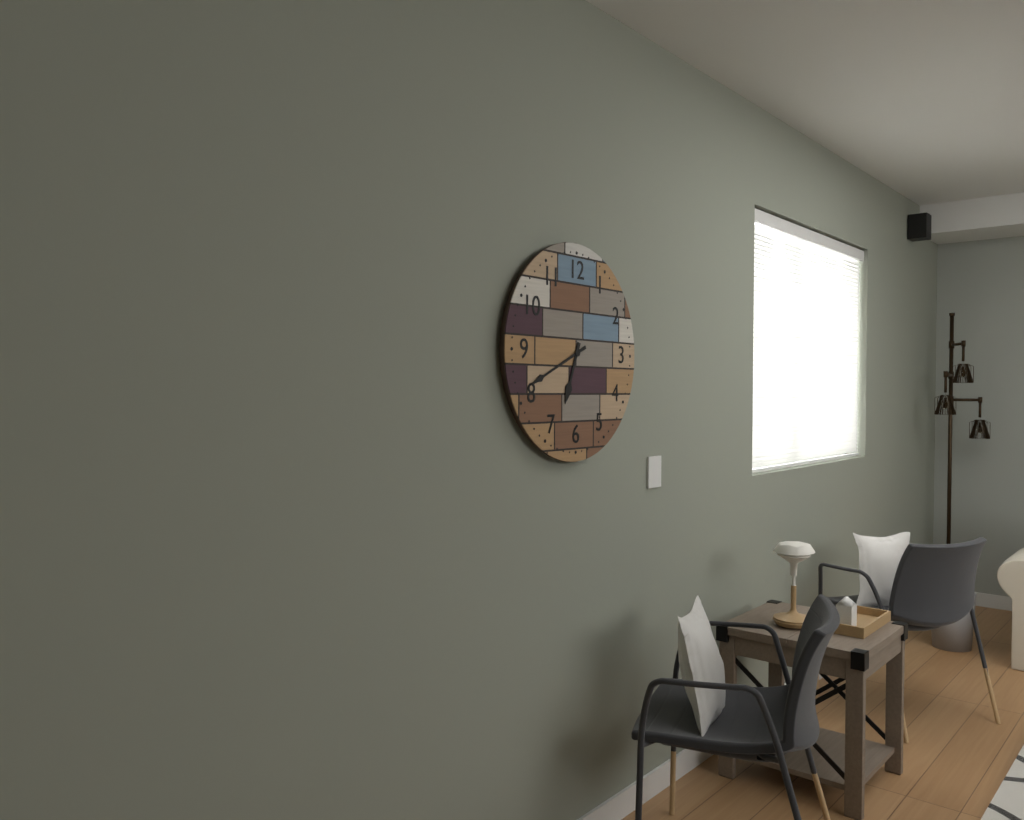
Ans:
6,41
